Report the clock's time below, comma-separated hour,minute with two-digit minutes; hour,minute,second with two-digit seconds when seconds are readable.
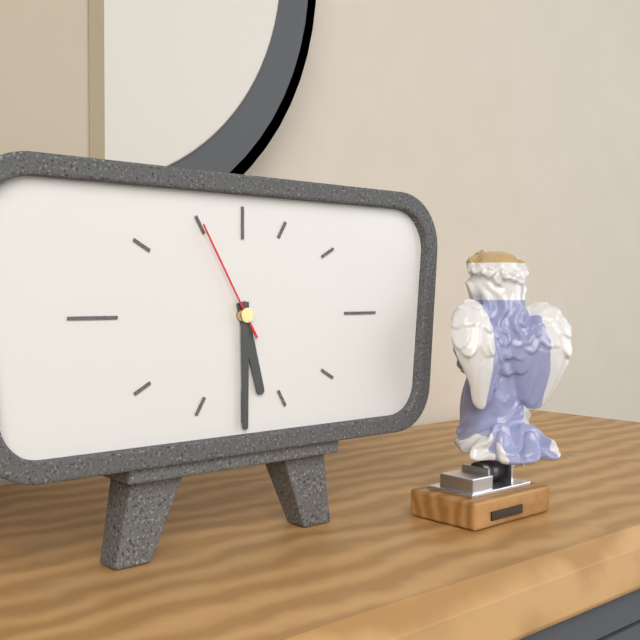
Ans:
5,30,55
